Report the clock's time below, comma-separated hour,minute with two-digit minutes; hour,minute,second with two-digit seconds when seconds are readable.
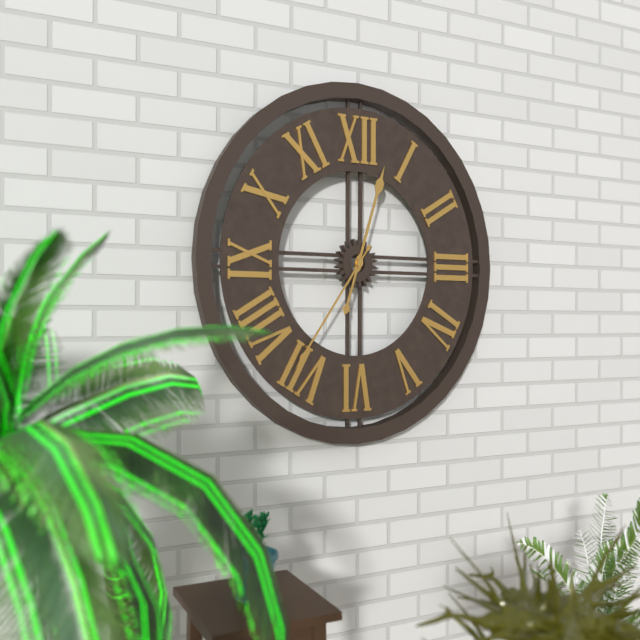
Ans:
12,36
